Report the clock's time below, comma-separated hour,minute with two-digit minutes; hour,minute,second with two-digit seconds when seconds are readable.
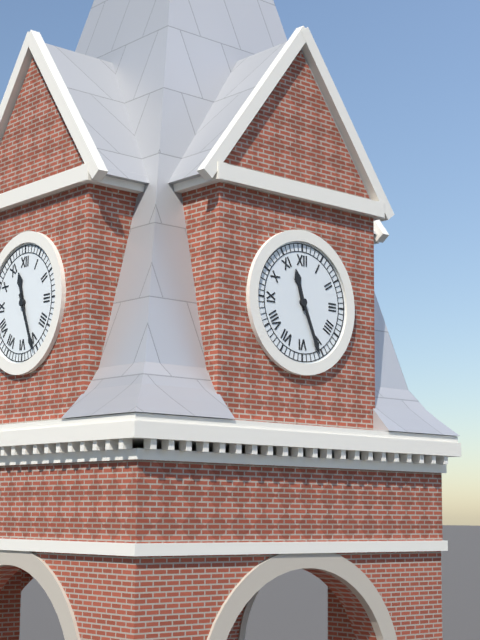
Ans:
11,26
